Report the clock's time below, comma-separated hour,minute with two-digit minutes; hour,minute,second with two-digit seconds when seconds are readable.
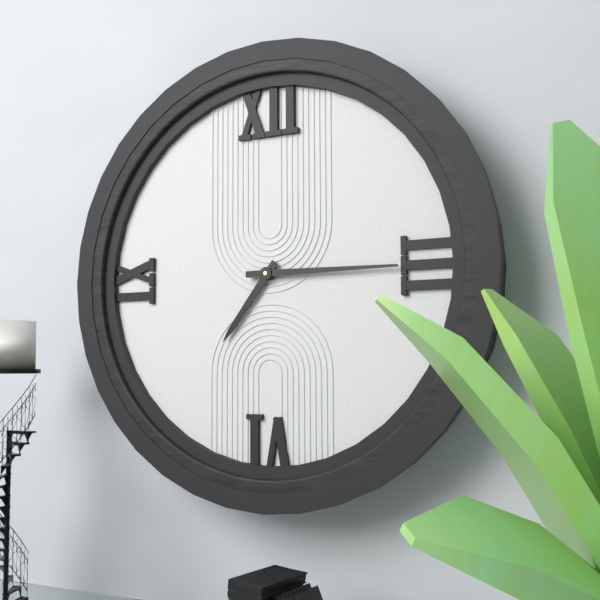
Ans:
7,15
